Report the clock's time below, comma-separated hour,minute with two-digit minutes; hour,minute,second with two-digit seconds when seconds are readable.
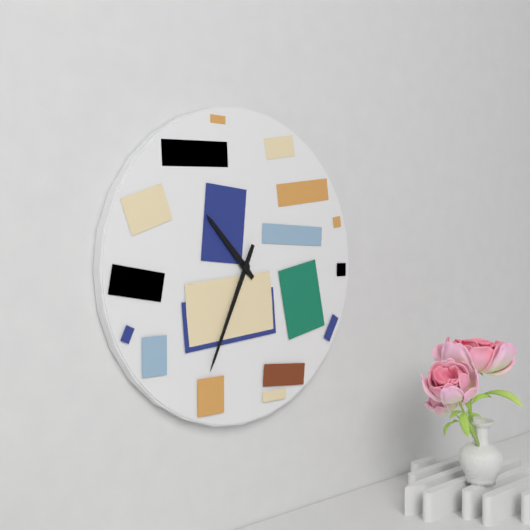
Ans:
10,34
